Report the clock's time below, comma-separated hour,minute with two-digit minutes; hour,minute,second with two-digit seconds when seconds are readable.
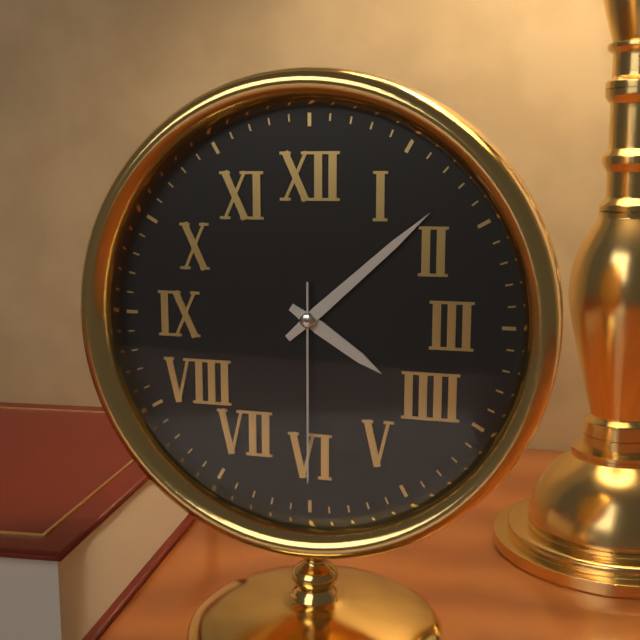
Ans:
4,08,30
